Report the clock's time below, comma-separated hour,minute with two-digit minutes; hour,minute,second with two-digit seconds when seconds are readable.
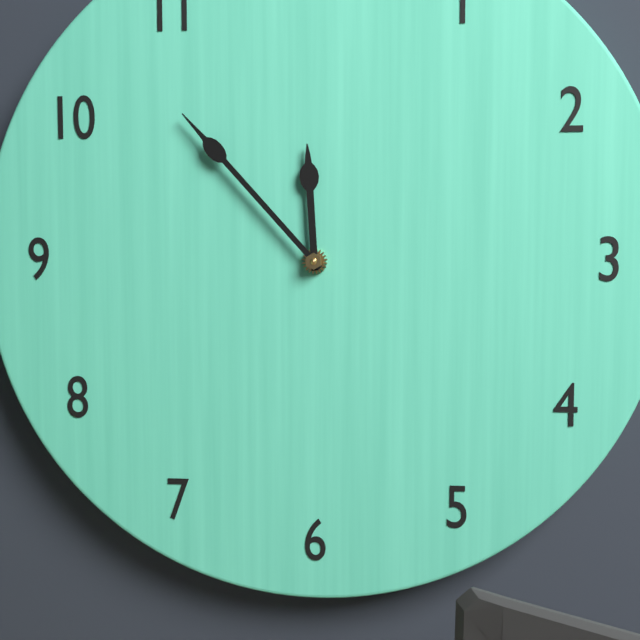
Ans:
11,53
